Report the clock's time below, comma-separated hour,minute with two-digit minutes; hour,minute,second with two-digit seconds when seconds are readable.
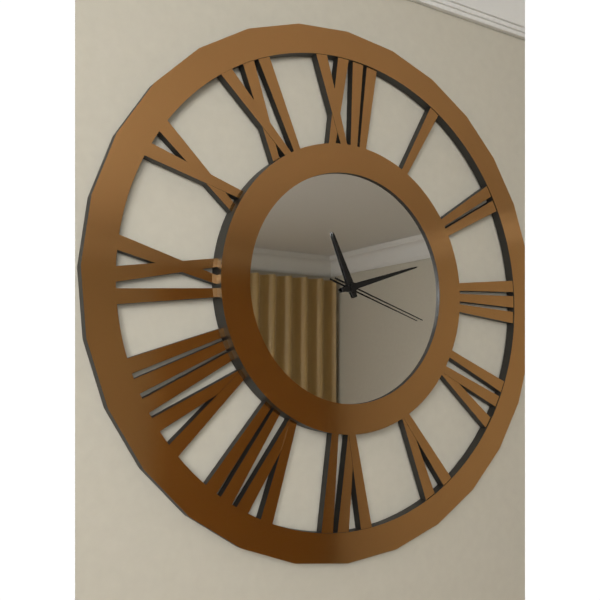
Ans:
11,12,18
